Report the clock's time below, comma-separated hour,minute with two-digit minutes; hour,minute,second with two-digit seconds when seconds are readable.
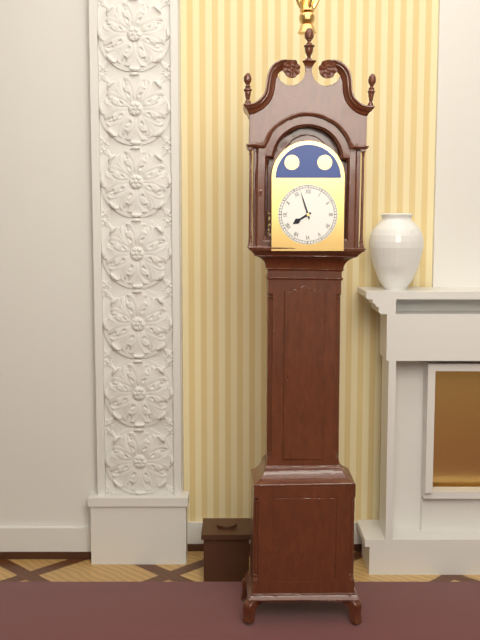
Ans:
7,57
